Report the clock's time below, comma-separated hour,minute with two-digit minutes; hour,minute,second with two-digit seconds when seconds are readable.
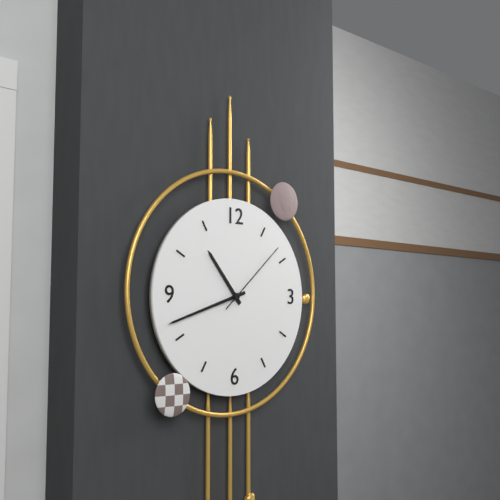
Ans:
10,42,08
